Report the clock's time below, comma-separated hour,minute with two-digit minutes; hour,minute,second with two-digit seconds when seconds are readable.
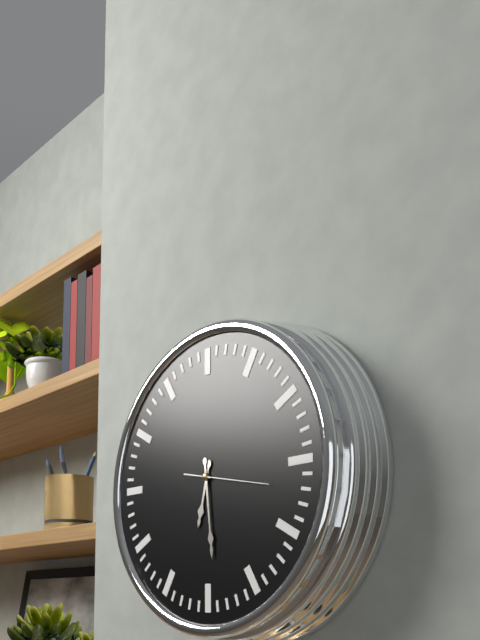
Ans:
6,29,17
